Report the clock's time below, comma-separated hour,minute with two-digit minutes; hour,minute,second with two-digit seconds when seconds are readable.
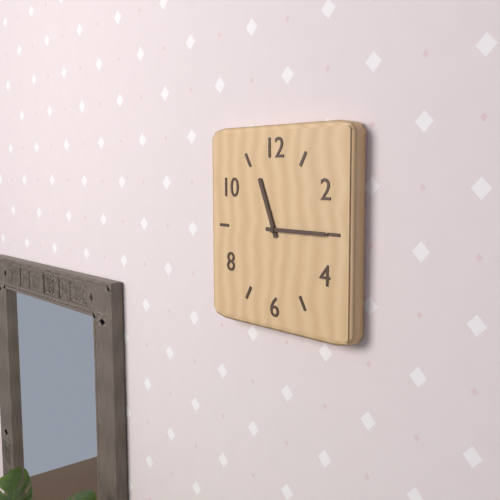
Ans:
11,15
